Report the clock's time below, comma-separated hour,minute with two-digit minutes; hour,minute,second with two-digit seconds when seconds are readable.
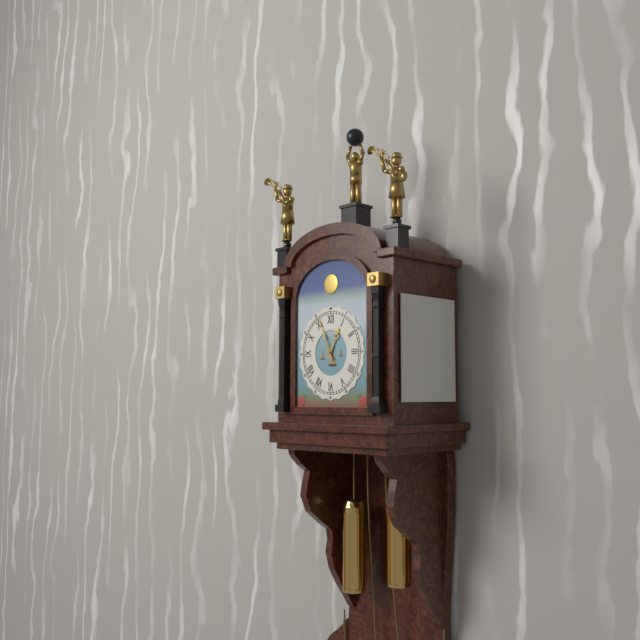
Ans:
12,56
